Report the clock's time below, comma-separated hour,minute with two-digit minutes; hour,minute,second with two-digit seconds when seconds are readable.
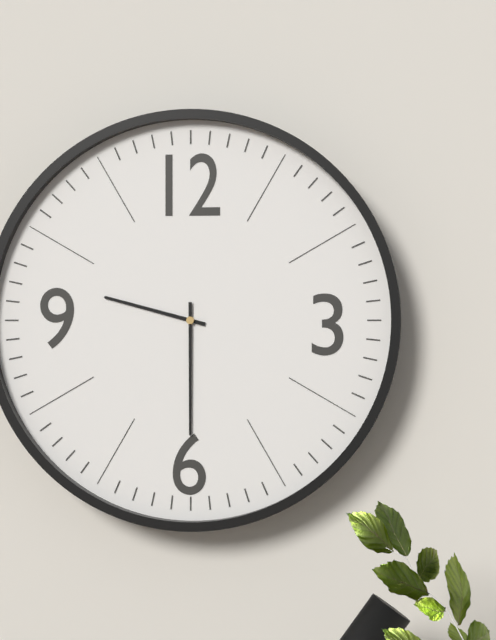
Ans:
9,30
